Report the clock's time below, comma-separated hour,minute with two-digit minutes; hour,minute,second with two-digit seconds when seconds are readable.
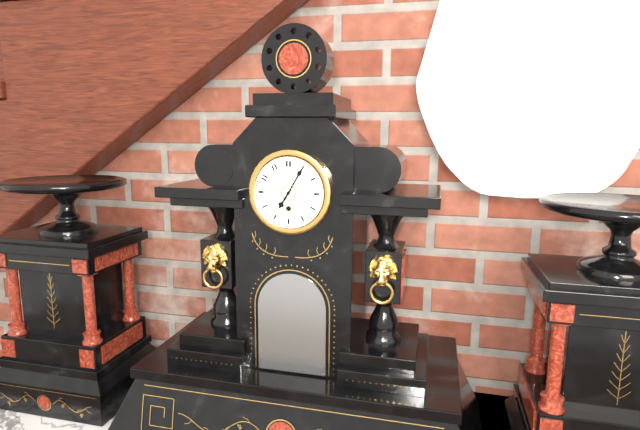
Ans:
7,05
